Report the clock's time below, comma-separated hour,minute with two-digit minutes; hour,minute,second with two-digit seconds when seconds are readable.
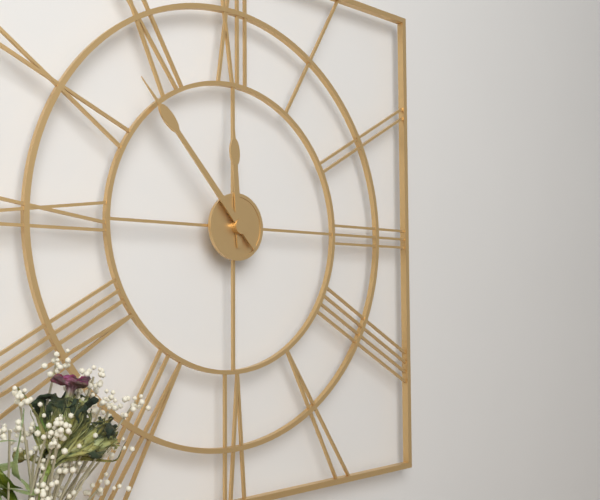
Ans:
11,53
